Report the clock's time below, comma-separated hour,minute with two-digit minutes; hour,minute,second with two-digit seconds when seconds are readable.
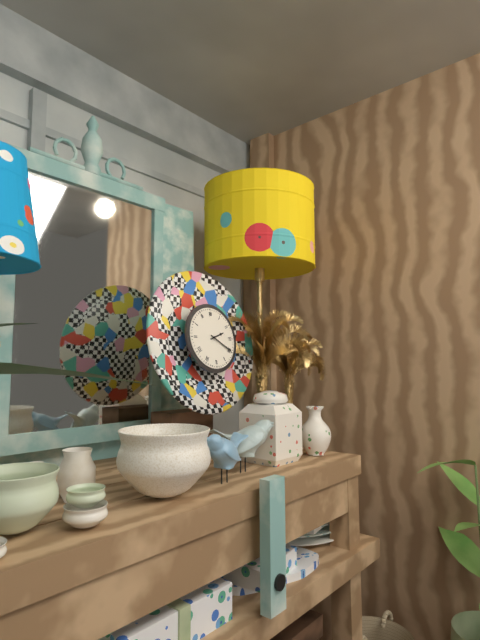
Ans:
2,20
